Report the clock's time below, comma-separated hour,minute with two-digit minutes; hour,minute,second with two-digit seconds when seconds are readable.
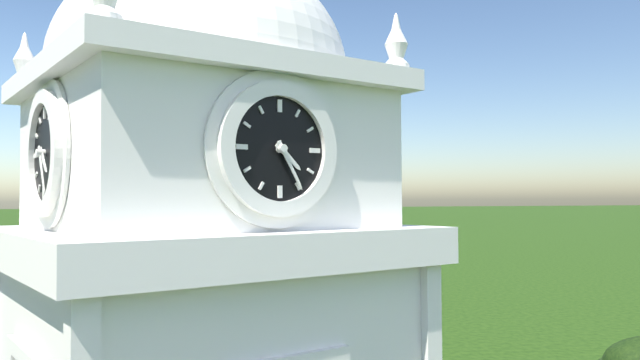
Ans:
4,25
